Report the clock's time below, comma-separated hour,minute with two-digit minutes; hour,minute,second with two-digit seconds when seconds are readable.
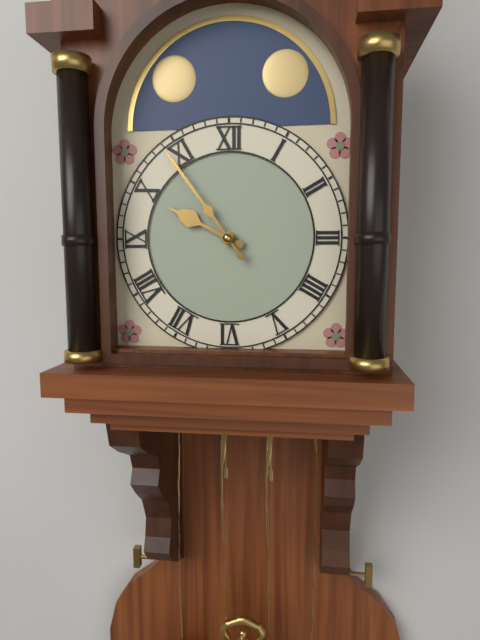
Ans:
9,54
